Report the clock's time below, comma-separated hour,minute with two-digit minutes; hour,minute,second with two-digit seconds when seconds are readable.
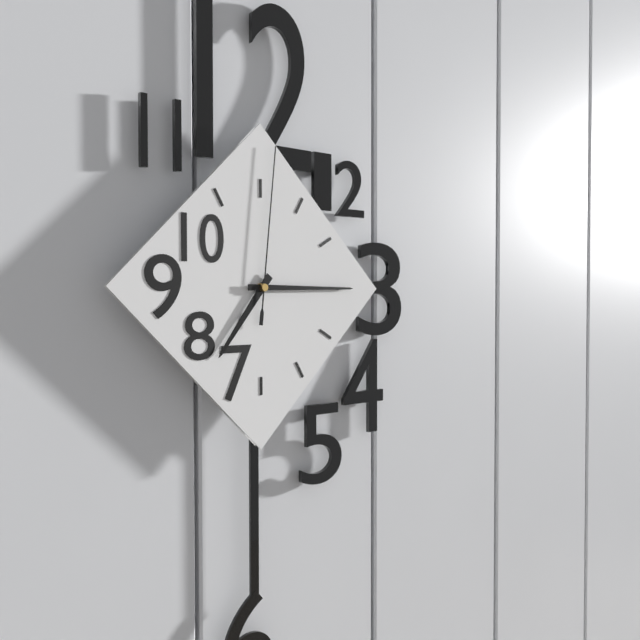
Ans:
7,15,01
